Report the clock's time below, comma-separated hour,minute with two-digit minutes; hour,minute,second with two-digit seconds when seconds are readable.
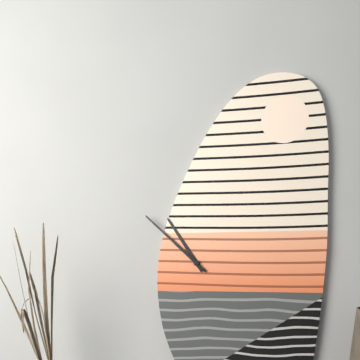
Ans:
10,52
